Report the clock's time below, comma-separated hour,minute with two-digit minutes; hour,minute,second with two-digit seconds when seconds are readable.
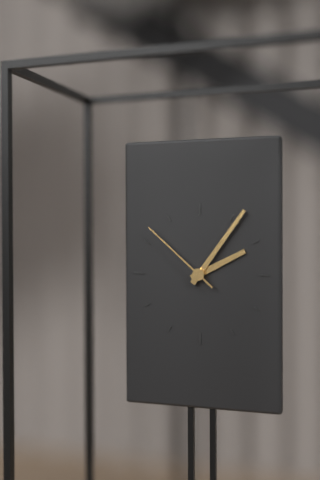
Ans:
2,06,52
